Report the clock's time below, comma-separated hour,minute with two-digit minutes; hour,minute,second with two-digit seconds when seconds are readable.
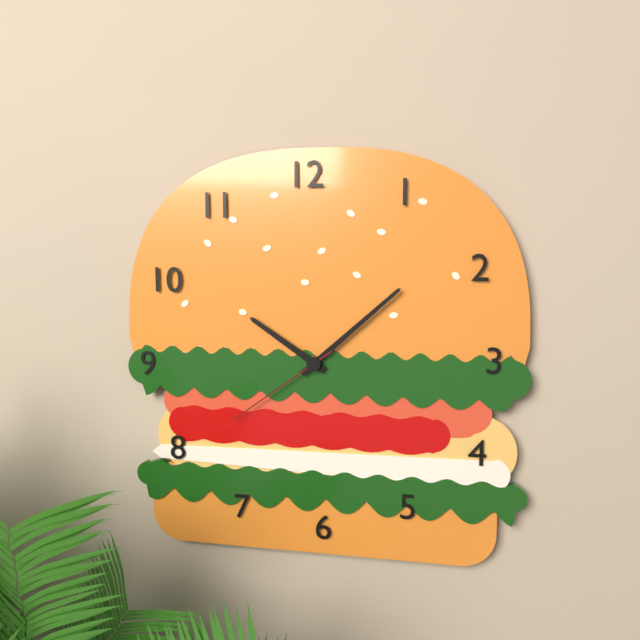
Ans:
10,08,39
